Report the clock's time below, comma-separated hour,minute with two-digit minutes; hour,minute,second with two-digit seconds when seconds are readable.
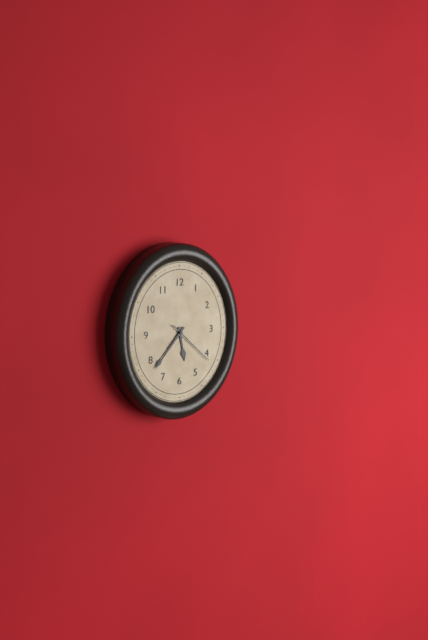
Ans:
5,37
